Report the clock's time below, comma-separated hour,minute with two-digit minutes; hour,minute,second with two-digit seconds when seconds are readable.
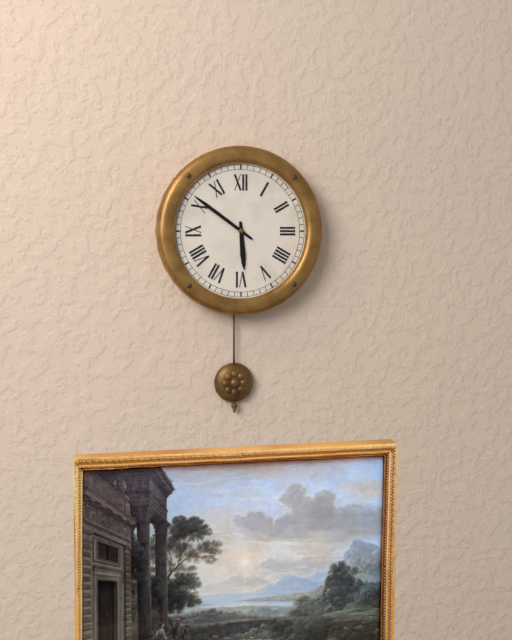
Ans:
5,51
